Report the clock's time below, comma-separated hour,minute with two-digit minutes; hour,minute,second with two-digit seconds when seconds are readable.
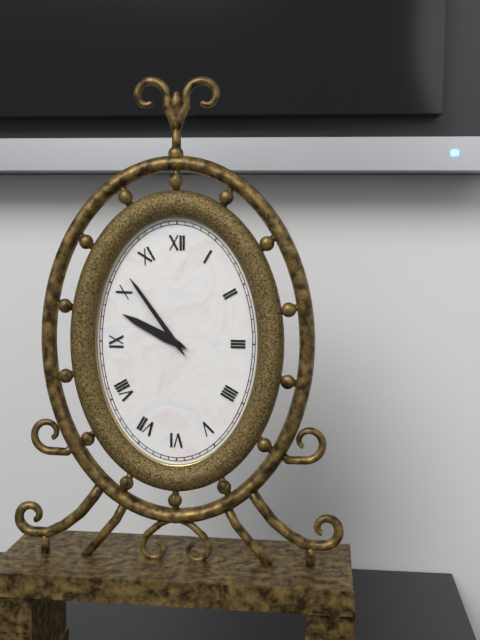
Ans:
9,54
